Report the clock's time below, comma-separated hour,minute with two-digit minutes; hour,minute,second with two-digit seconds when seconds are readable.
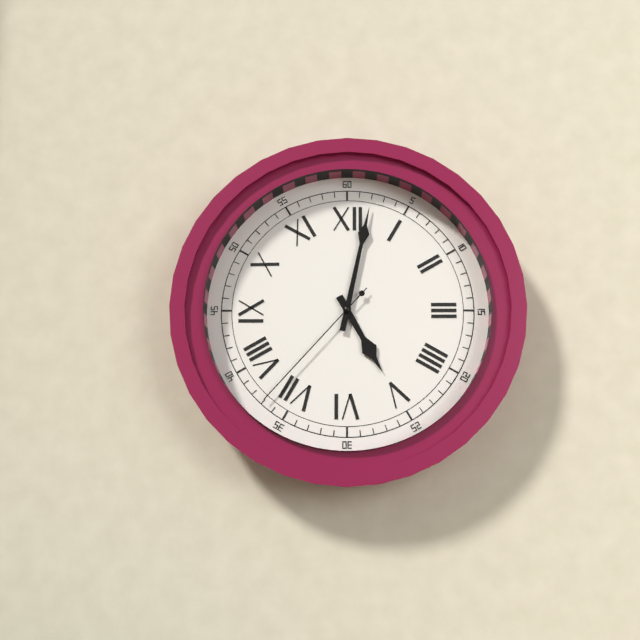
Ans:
5,02,37
